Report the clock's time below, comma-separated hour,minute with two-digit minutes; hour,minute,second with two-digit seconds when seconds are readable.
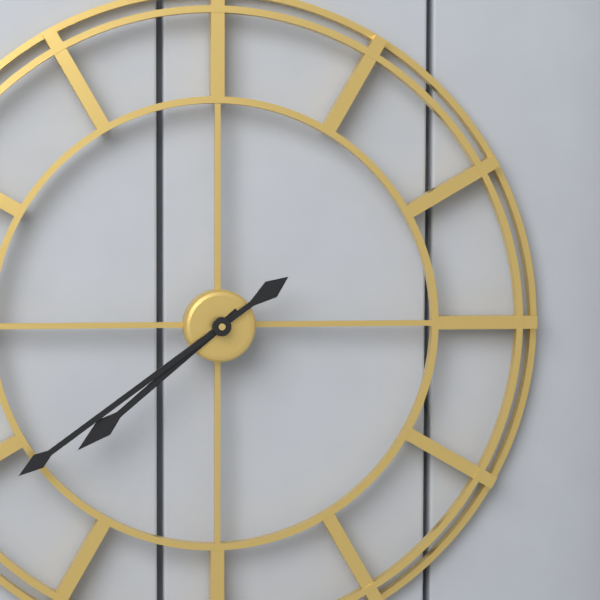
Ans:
7,39
